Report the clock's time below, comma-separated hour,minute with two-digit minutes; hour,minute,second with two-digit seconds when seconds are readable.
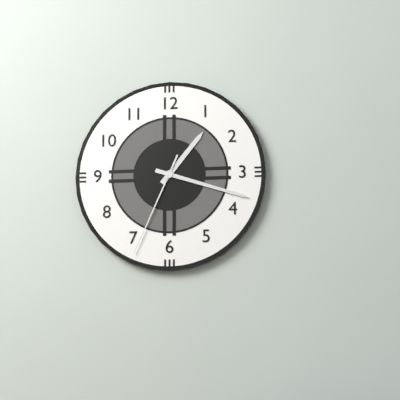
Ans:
1,18,34
